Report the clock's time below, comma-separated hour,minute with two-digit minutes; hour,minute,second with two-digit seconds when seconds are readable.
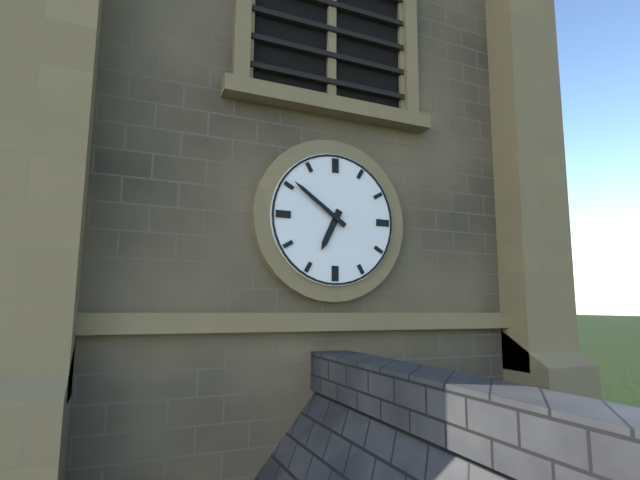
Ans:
6,51
